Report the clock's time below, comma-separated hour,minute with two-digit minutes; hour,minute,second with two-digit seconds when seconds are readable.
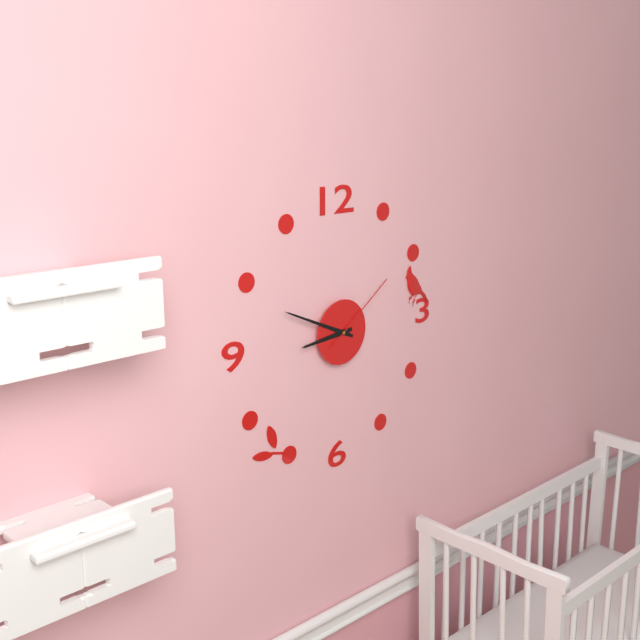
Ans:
8,49,09
